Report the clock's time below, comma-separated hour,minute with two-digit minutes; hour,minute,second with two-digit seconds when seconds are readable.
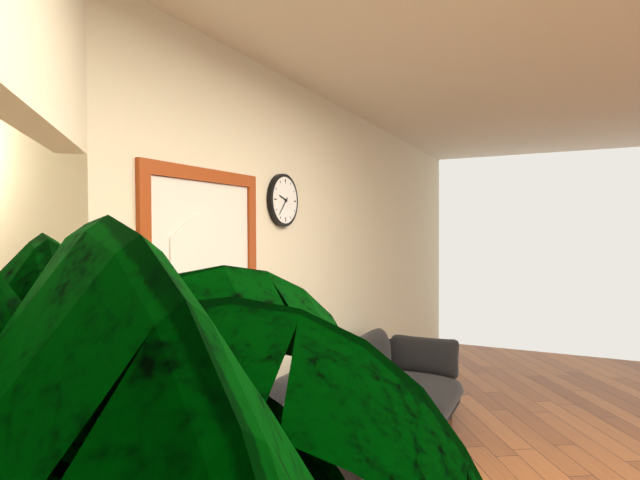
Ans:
9,37
